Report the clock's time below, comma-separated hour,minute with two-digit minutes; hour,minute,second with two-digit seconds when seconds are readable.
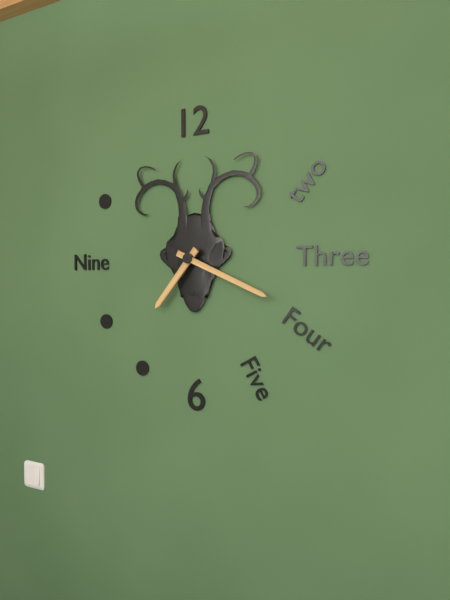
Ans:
7,19
